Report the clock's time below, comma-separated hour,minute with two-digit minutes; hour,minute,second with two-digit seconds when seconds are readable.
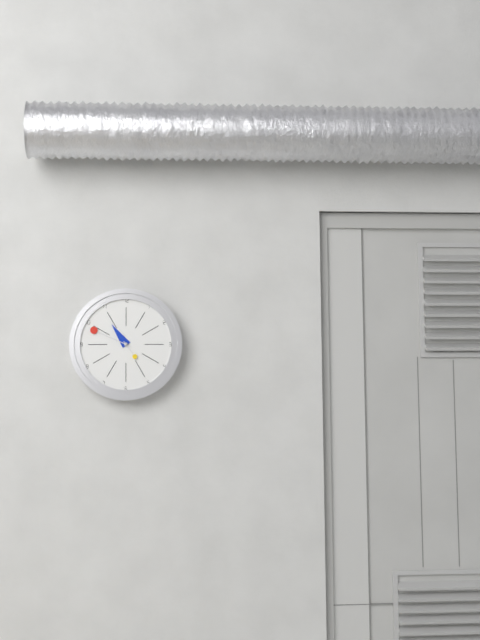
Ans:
10,49
